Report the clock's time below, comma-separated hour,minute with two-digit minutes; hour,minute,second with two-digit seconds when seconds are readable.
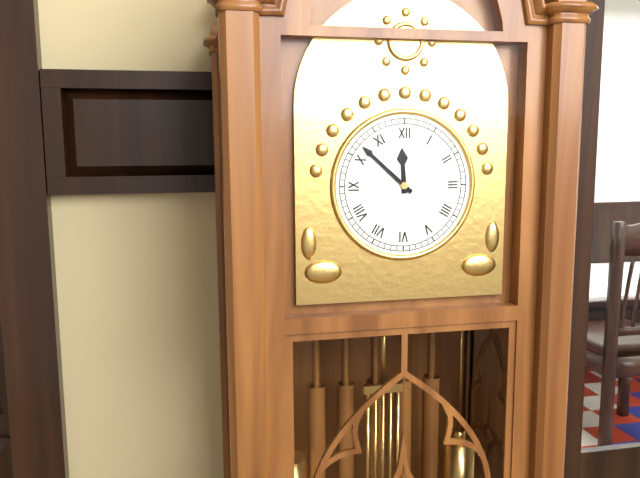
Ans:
11,52
